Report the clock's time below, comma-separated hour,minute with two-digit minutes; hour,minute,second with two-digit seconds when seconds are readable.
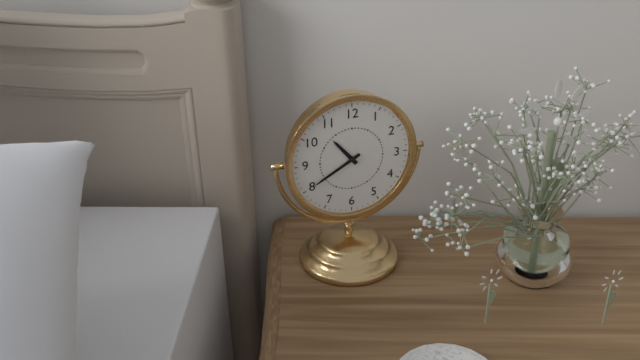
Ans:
10,40
